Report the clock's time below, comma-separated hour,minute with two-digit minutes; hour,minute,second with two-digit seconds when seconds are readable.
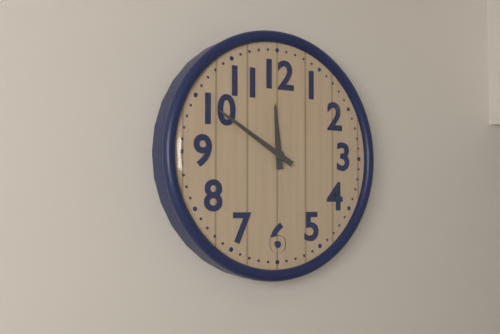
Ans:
11,50
